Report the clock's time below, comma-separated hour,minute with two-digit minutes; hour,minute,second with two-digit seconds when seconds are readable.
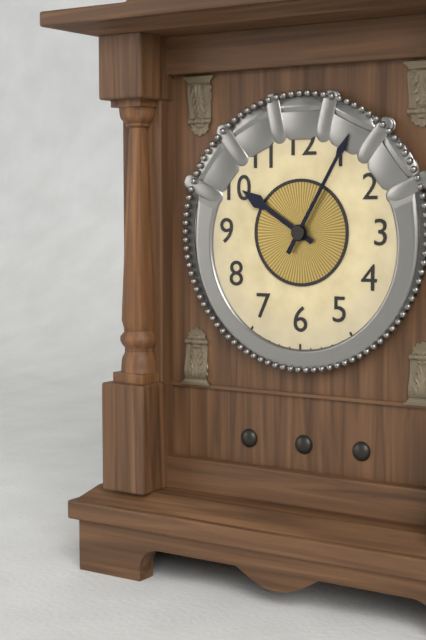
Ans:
10,05
